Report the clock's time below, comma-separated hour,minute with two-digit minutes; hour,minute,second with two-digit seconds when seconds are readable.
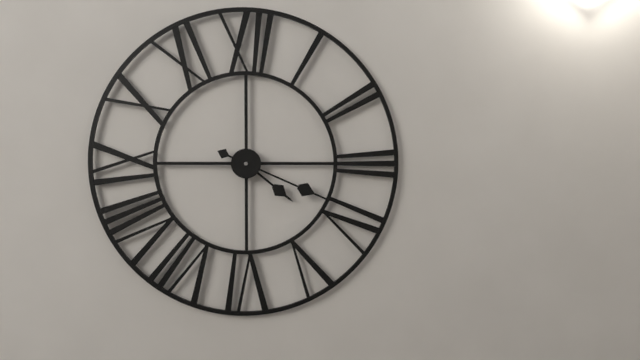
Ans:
4,19
